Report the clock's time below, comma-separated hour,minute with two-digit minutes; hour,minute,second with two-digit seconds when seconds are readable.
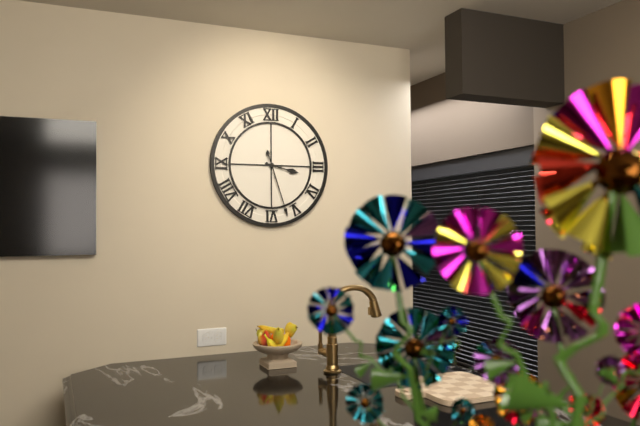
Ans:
3,27
